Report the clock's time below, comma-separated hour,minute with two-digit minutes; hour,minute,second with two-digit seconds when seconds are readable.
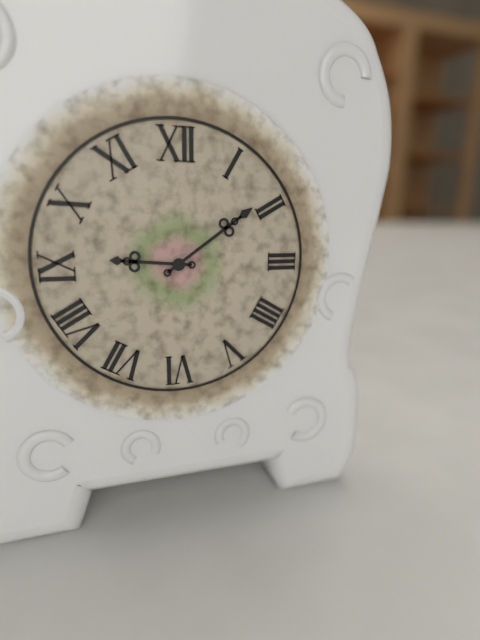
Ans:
9,09
